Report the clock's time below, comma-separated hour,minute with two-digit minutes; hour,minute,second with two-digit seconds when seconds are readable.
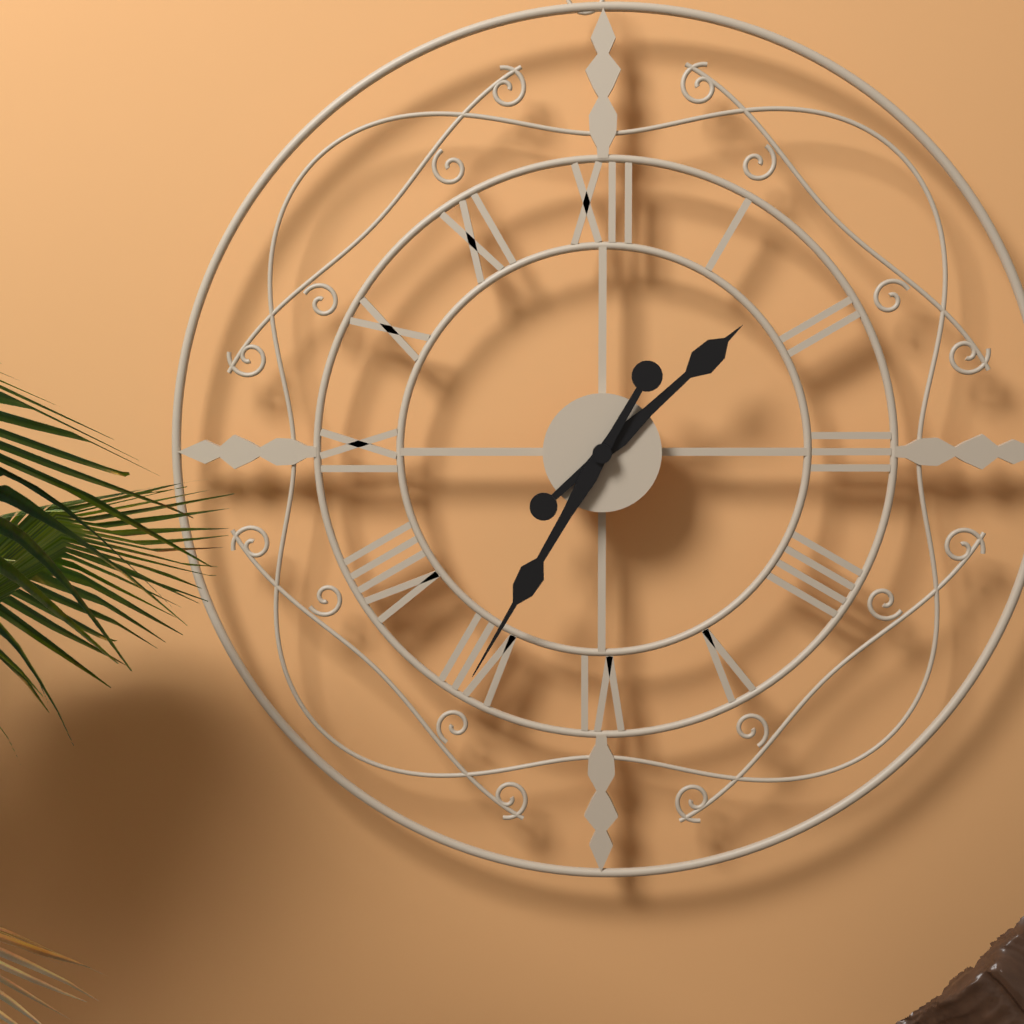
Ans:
1,35
